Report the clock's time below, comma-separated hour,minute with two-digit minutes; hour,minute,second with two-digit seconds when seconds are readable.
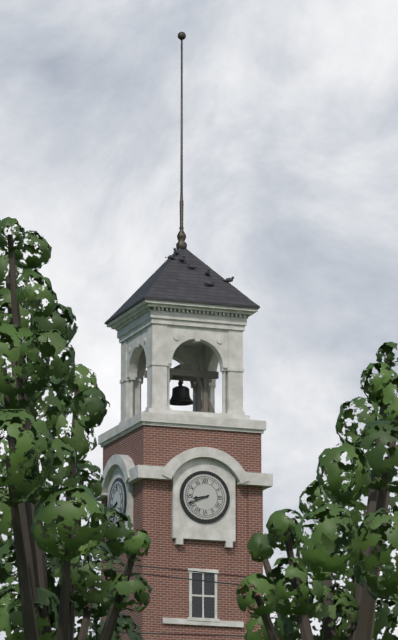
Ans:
8,41
